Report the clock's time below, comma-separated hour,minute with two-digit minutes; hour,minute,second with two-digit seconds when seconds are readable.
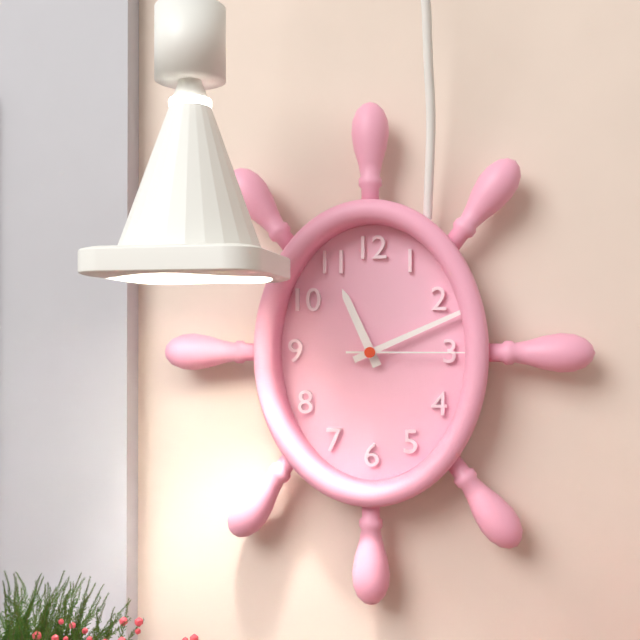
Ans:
11,11,15
